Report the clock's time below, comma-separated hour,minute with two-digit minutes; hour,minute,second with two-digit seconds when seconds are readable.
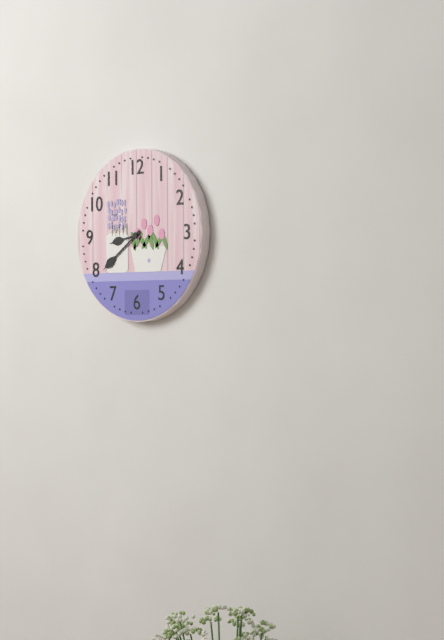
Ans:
8,39
